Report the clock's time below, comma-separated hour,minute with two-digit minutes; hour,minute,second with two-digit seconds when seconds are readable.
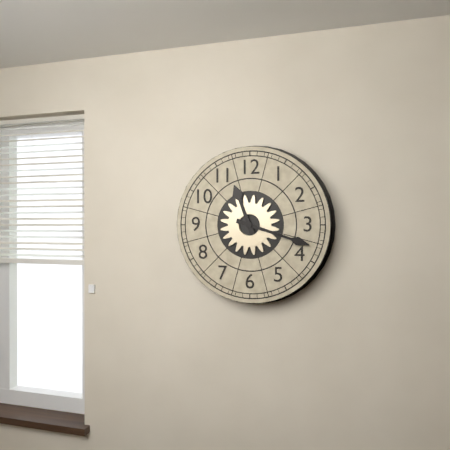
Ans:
11,18
